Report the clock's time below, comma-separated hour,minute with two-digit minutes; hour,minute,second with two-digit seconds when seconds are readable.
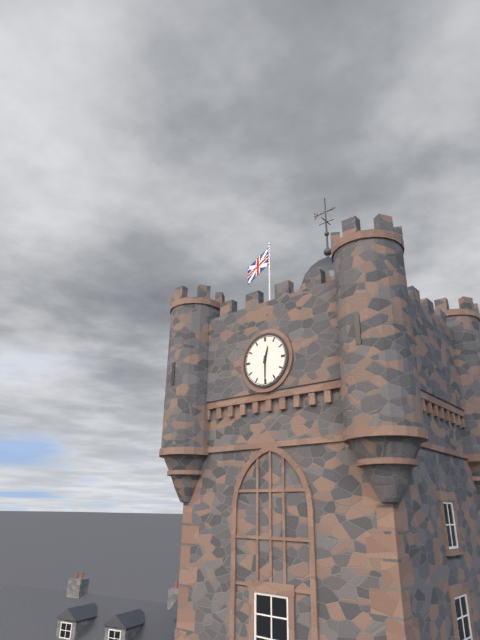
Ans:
12,30
